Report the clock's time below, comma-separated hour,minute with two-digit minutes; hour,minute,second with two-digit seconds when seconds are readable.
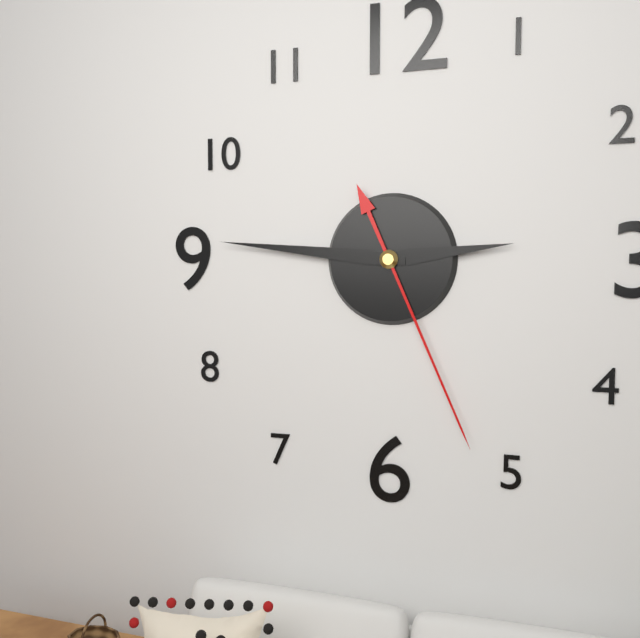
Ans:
2,46,26
